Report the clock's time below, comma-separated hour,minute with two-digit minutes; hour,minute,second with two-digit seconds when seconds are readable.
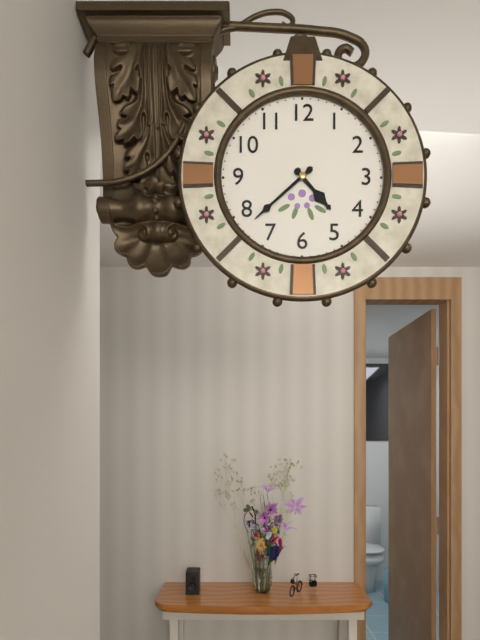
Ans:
4,38
